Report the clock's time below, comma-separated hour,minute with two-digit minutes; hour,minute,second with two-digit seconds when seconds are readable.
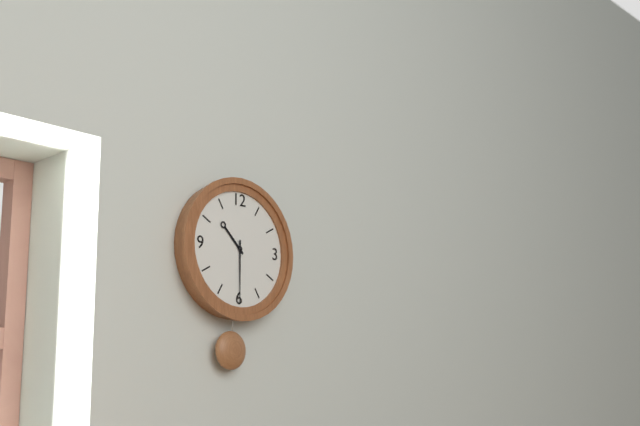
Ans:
10,30
